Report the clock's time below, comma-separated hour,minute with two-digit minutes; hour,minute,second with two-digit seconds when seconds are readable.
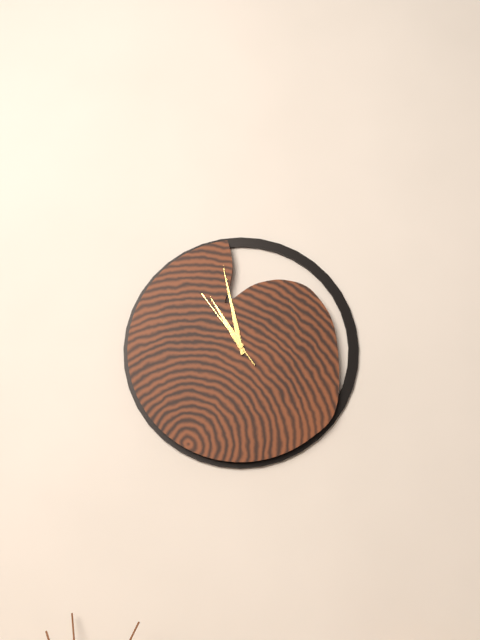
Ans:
10,58,54
